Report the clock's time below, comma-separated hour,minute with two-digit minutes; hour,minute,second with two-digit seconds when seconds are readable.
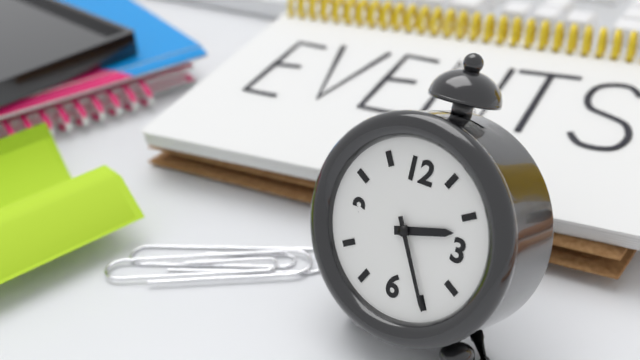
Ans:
2,25
